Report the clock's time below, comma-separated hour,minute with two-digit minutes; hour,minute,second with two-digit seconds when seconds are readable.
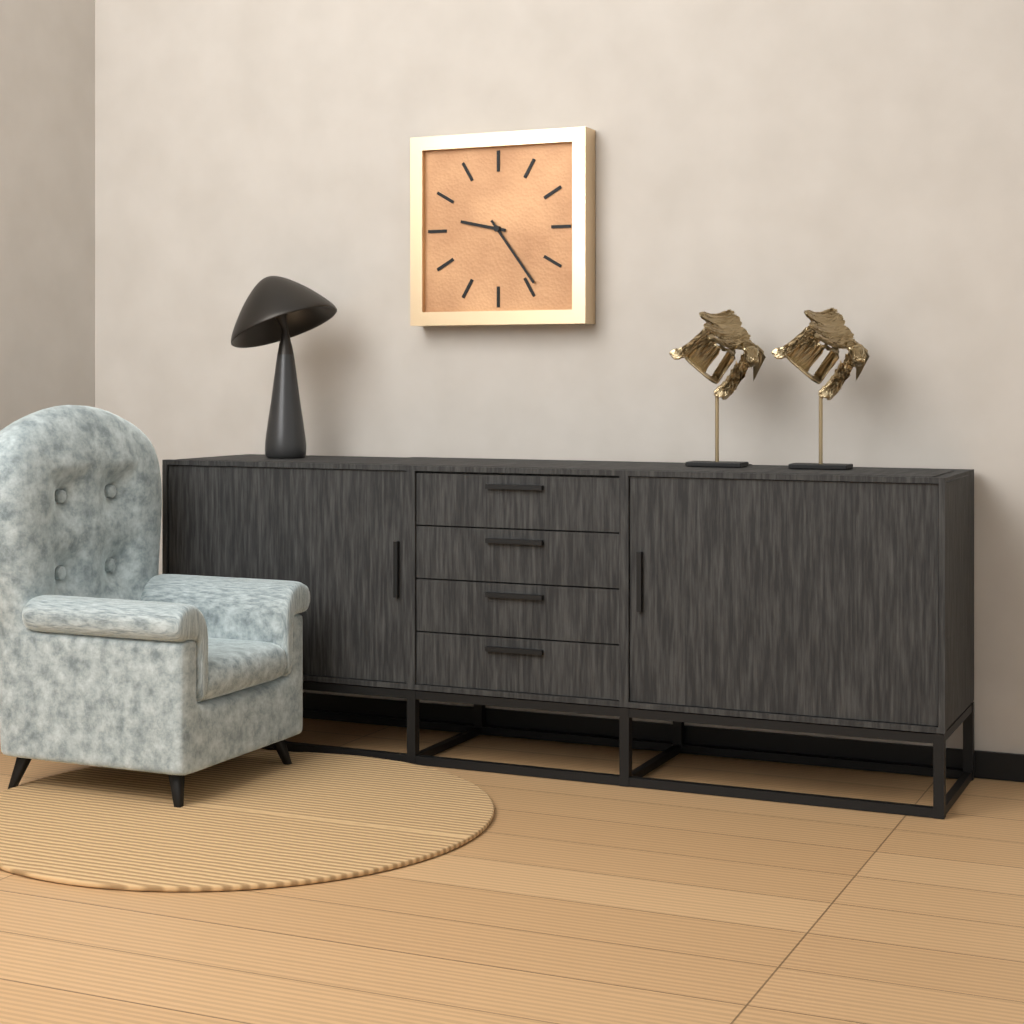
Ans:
9,24
